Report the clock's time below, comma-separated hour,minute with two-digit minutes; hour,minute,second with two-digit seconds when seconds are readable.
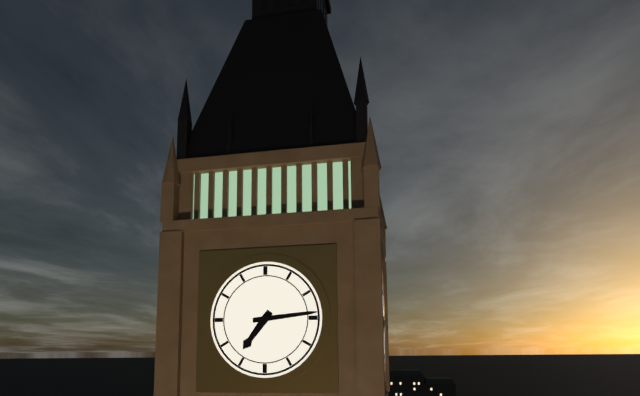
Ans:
7,14
